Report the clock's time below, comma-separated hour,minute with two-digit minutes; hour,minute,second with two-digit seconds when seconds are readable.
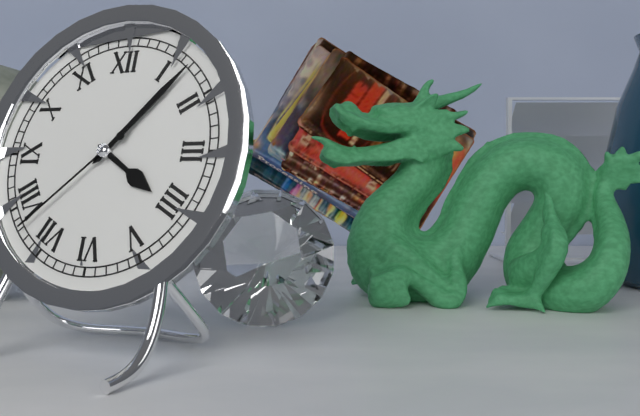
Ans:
4,07,38
